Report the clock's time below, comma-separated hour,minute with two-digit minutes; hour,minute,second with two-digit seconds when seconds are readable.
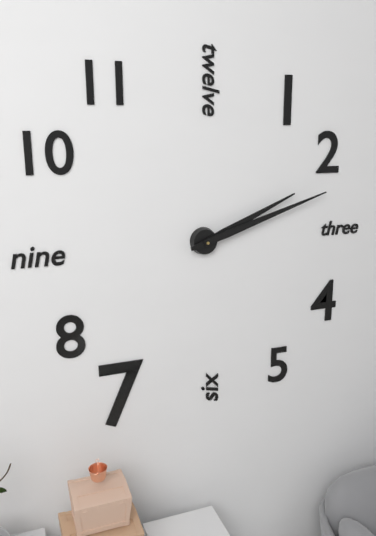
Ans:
2,12
